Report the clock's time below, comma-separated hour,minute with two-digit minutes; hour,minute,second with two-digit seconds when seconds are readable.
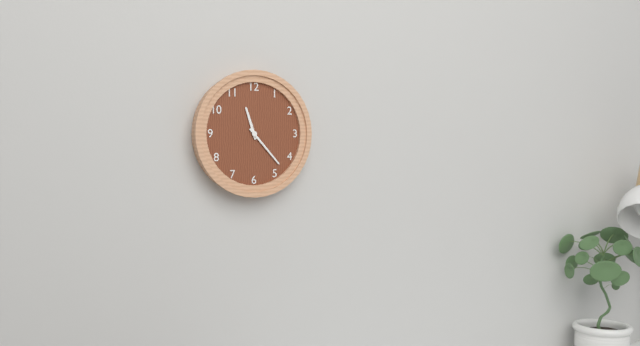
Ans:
11,23
